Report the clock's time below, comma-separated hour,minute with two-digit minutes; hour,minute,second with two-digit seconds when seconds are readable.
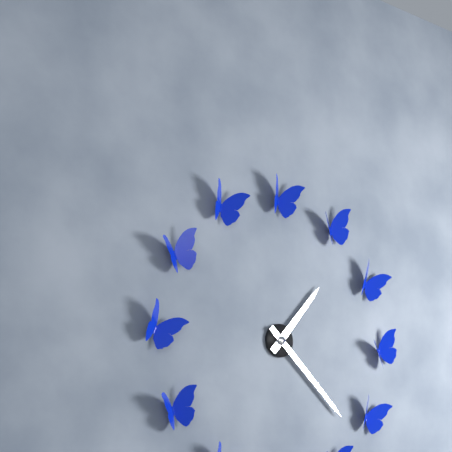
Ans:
1,22
